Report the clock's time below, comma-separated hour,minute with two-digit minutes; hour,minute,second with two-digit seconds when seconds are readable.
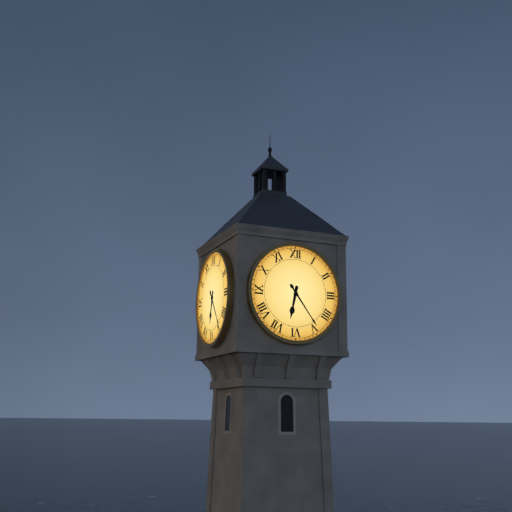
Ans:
6,24
